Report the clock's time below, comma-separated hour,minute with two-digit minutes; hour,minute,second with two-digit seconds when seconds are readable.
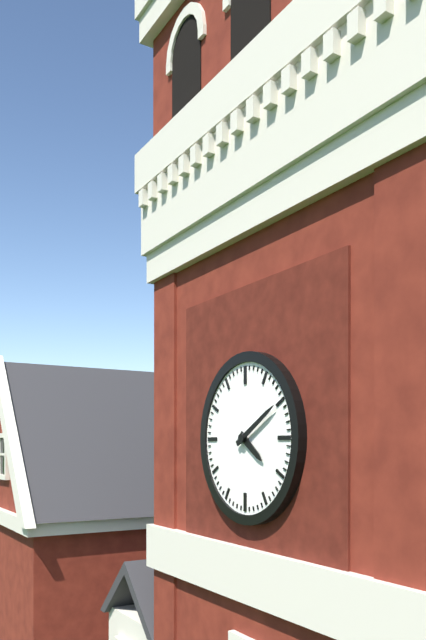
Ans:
4,10
